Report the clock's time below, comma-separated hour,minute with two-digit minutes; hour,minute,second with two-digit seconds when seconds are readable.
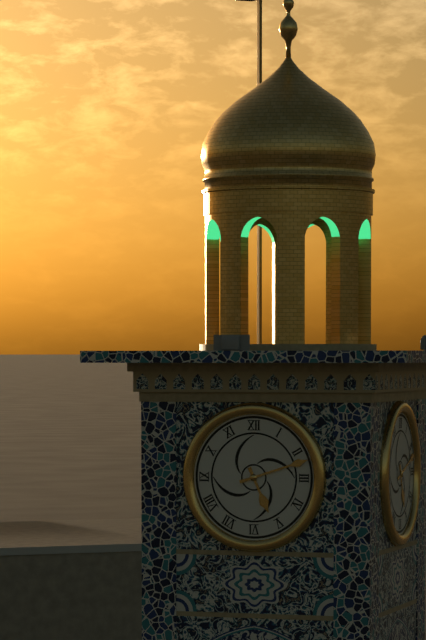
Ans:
5,12
